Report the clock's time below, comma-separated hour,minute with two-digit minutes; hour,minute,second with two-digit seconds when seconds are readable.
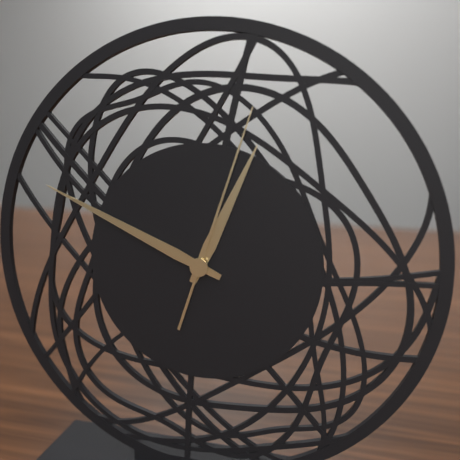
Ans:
12,49,03
